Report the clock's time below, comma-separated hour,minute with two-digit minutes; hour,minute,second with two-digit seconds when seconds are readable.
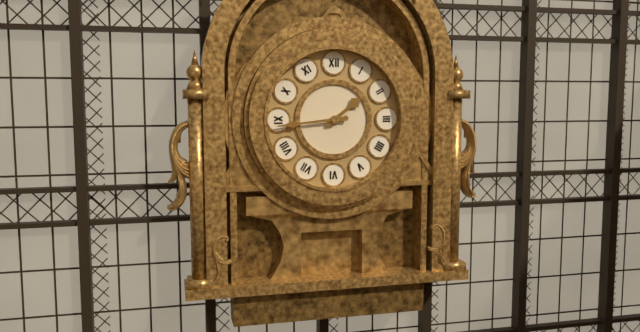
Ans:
1,44
